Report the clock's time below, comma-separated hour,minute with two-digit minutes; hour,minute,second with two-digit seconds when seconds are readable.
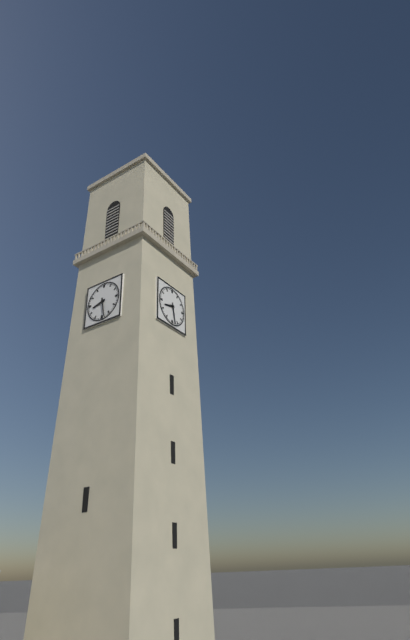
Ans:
8,28
